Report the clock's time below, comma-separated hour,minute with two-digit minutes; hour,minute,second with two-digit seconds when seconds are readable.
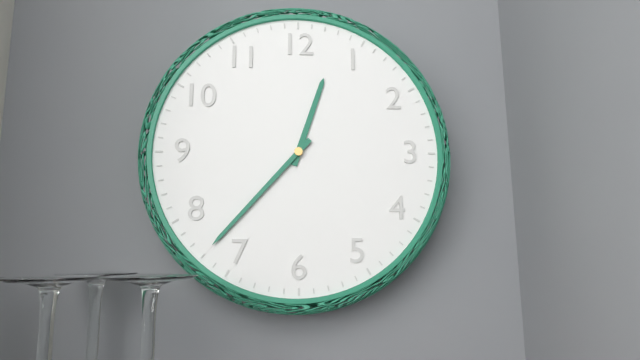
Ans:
12,37
